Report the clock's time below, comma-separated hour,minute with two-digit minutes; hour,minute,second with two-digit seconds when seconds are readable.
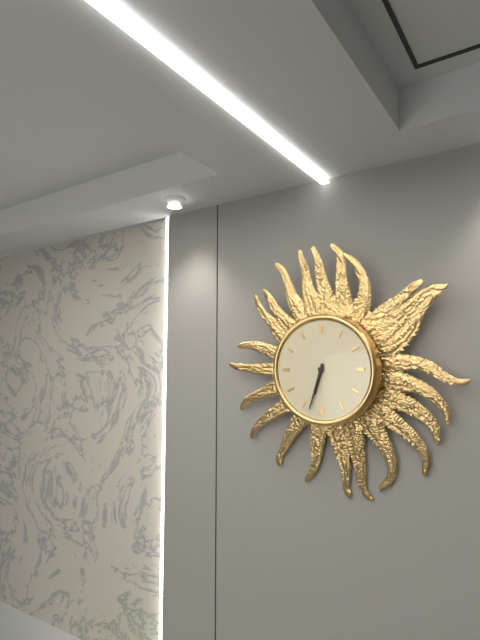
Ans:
6,33
